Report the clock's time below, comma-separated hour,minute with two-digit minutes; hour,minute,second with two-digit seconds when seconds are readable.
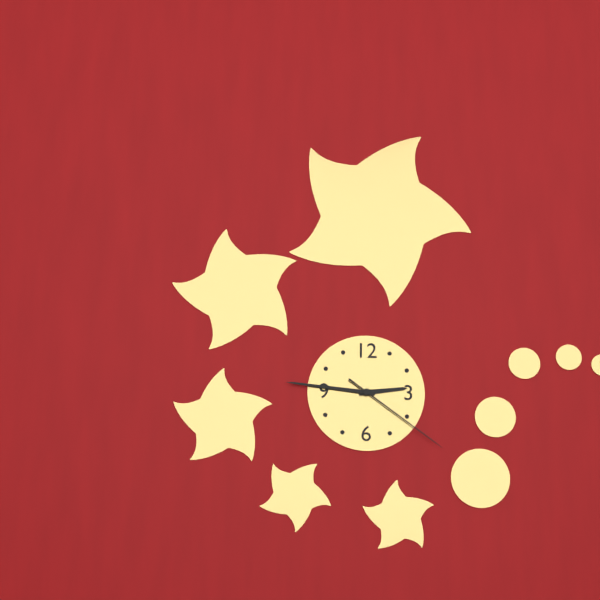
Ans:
2,46,21
